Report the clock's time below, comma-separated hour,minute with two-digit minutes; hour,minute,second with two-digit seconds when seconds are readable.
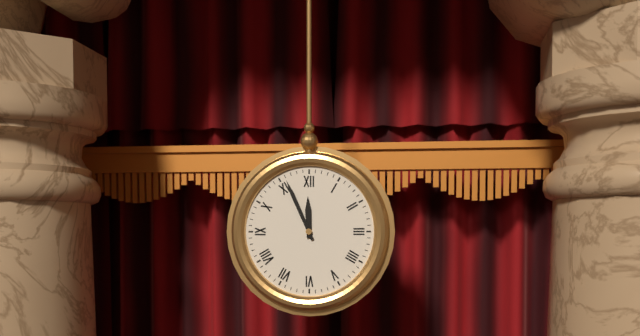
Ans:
11,56
